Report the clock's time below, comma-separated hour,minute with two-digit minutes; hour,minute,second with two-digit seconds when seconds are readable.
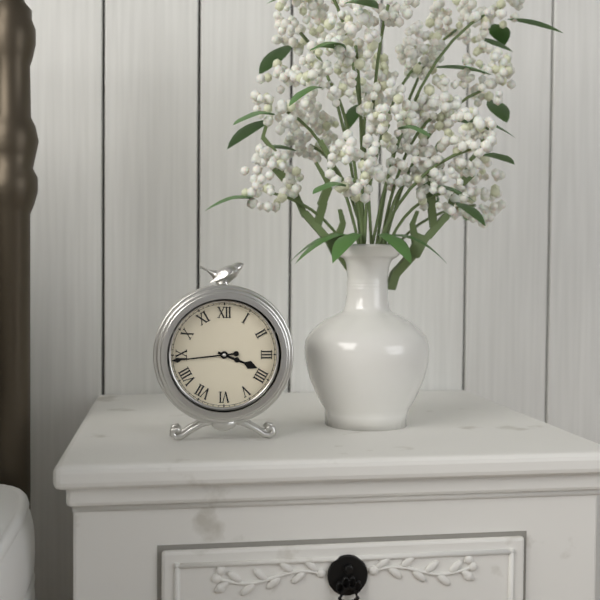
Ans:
3,44
